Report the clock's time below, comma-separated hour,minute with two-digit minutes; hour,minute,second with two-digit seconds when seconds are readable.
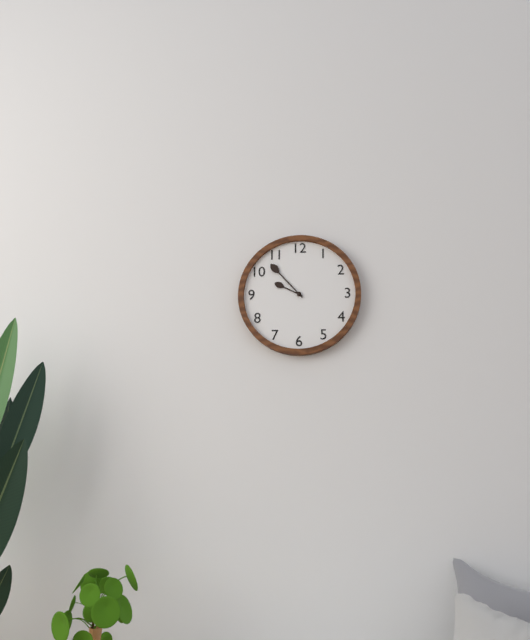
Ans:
9,53
